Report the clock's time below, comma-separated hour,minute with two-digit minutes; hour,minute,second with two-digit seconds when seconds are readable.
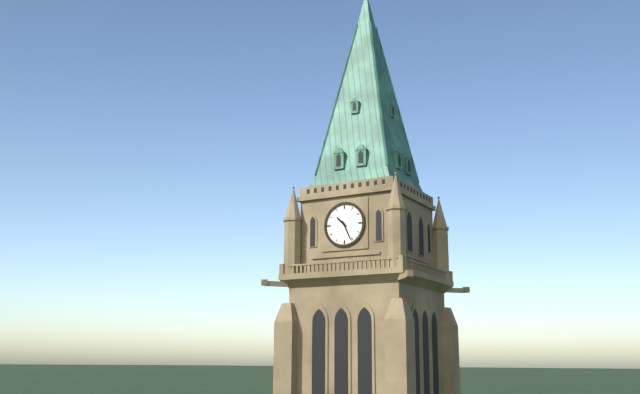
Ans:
10,26
